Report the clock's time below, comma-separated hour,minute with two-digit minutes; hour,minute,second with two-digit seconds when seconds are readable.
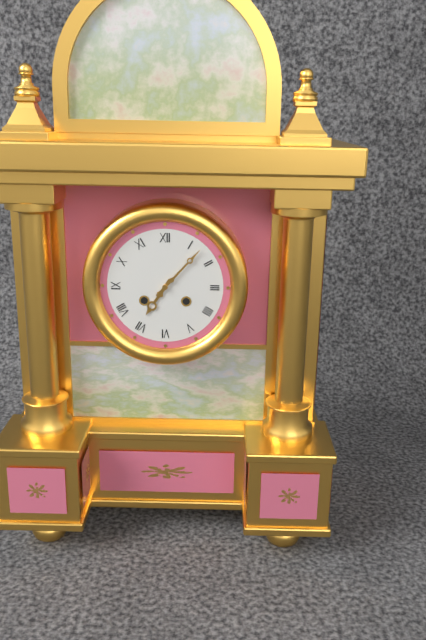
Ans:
7,07
